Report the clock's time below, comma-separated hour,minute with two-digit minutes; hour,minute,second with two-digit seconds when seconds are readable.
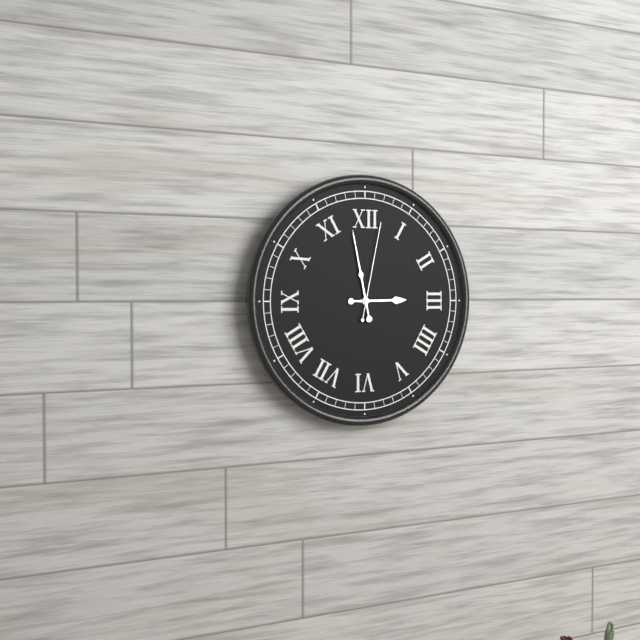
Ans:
2,58,02
